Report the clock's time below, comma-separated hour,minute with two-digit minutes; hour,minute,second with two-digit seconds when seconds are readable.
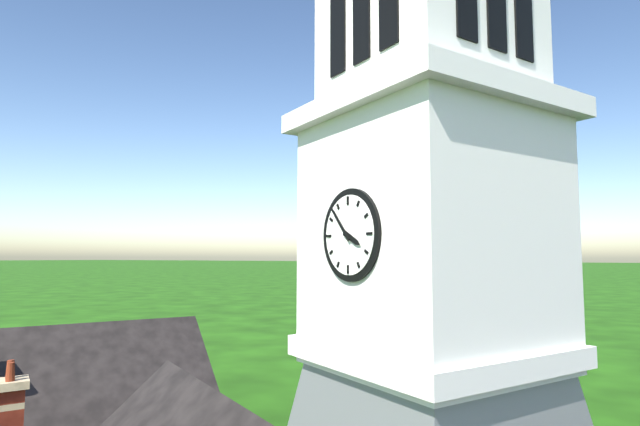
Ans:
3,53
